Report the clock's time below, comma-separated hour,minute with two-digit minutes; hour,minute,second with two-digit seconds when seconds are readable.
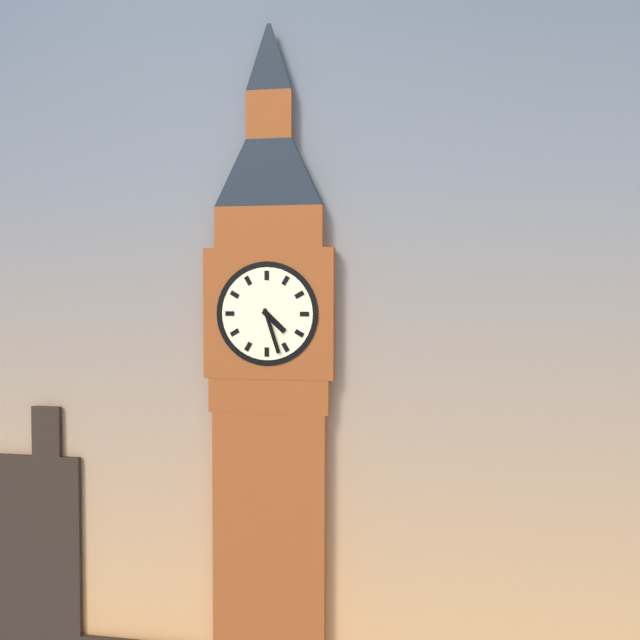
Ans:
4,27
